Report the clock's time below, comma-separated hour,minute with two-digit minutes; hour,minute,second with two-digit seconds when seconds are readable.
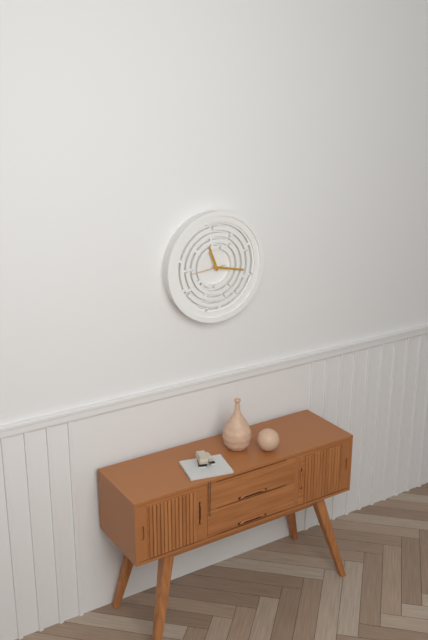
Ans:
11,17
